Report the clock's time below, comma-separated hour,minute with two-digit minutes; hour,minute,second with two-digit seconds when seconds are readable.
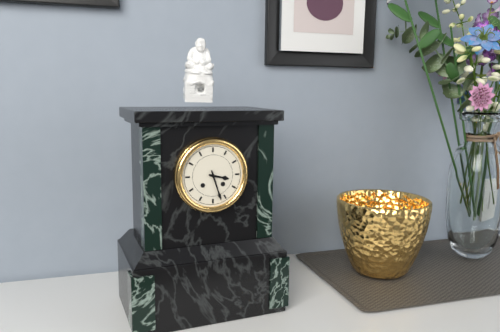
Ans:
3,27
